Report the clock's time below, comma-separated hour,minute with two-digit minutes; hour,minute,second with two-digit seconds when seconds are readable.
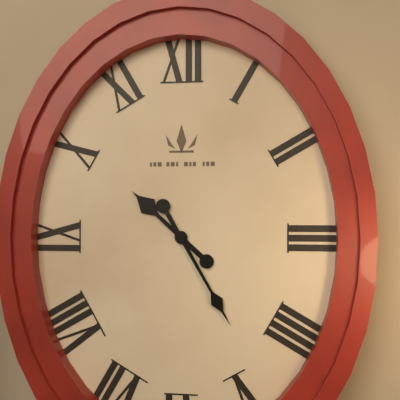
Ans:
10,25
